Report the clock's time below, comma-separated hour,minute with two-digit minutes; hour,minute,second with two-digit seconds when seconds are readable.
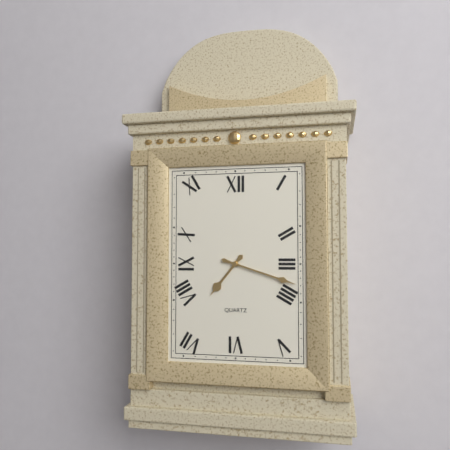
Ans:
7,18
